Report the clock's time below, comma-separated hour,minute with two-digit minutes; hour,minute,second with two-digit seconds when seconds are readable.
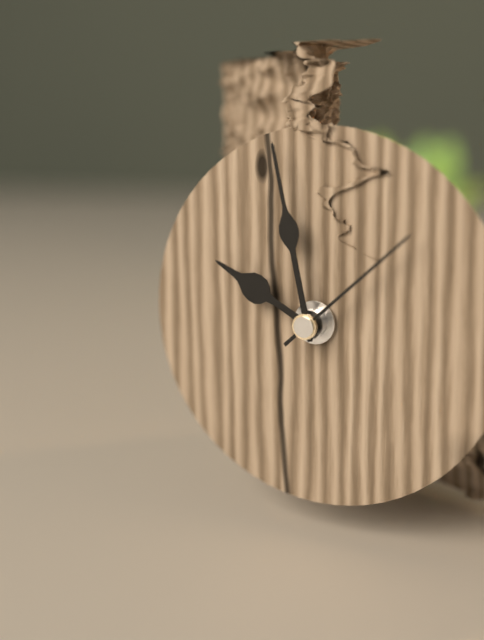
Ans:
9,58,08
